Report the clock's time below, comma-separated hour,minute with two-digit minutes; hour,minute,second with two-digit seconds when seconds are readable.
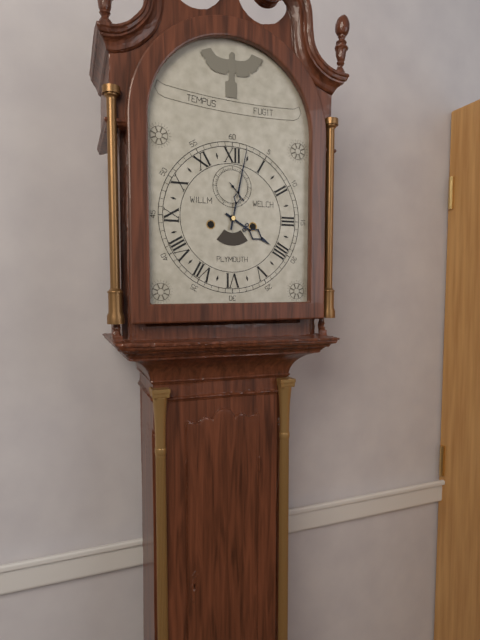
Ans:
4,02
